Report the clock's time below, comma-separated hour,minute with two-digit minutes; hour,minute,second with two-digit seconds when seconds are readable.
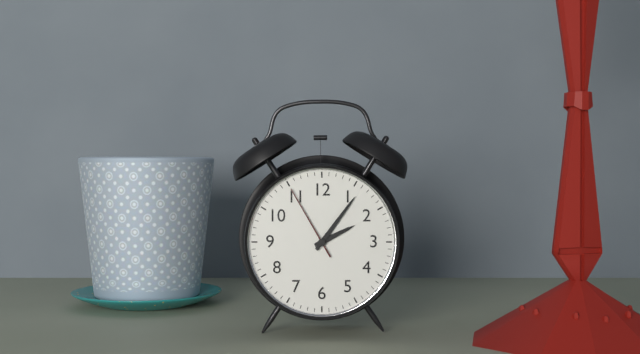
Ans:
2,06,55
